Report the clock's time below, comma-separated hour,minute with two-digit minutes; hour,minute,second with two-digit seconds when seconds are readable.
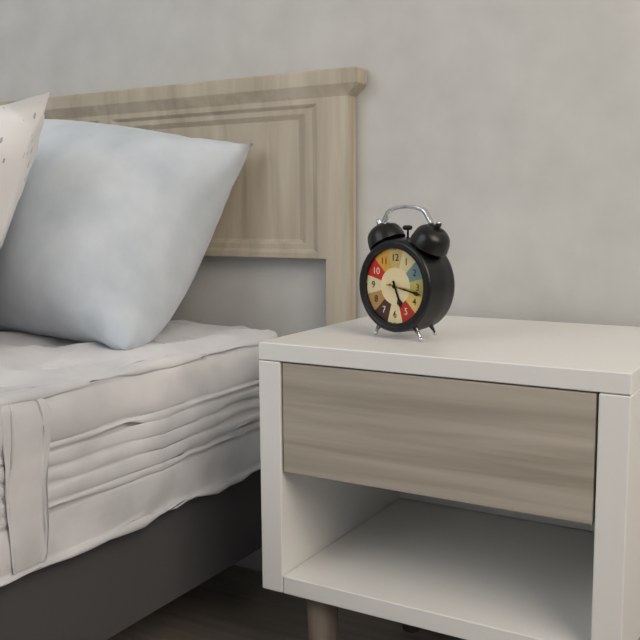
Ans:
5,17
